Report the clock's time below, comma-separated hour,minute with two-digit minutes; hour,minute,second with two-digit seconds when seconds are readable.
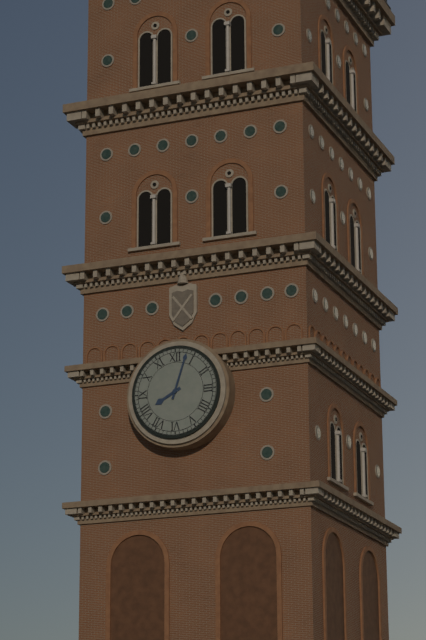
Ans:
8,03
